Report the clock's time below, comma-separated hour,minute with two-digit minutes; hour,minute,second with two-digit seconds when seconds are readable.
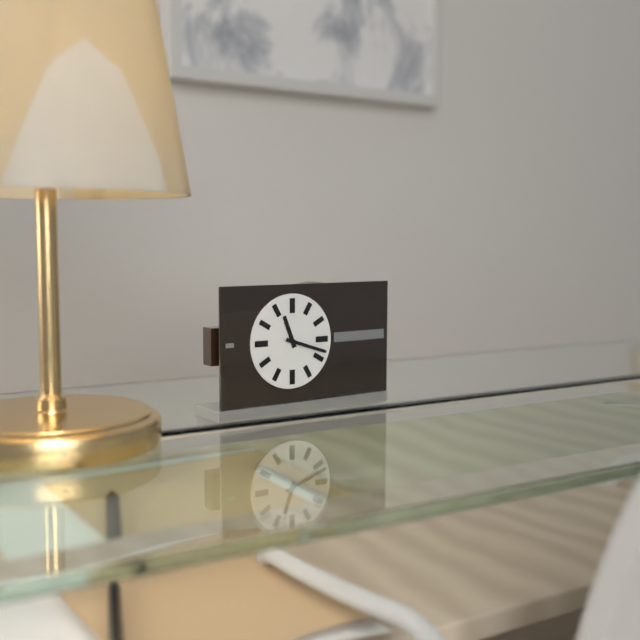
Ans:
11,18
